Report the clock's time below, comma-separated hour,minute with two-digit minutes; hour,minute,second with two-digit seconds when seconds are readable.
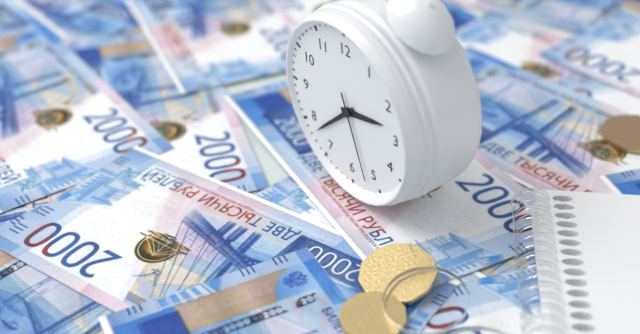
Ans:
2,38,27
